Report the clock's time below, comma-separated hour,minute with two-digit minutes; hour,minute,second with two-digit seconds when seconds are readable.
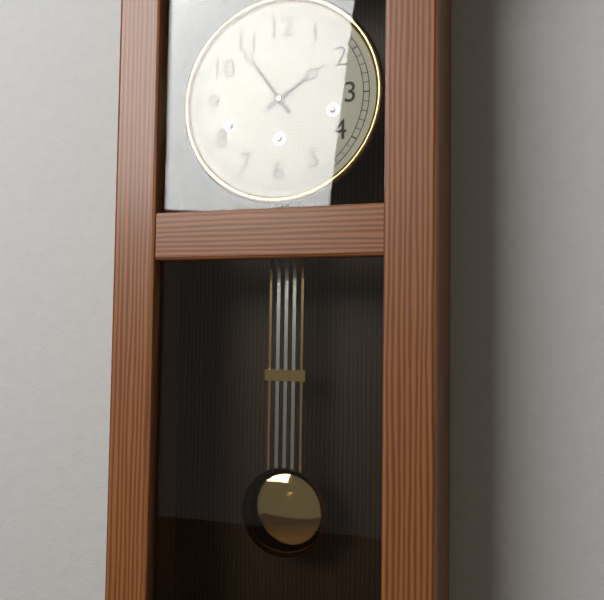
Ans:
1,54
